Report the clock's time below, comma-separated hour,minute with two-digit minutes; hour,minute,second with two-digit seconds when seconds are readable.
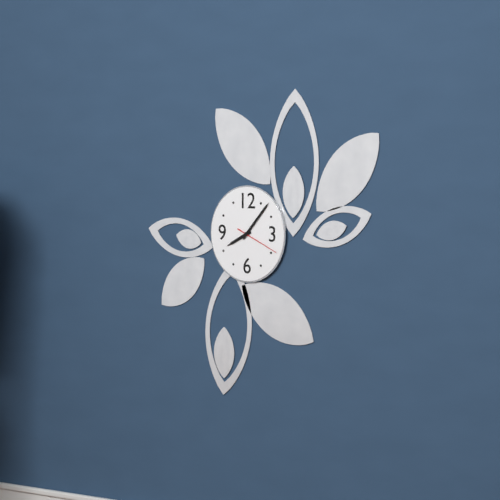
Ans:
8,07
